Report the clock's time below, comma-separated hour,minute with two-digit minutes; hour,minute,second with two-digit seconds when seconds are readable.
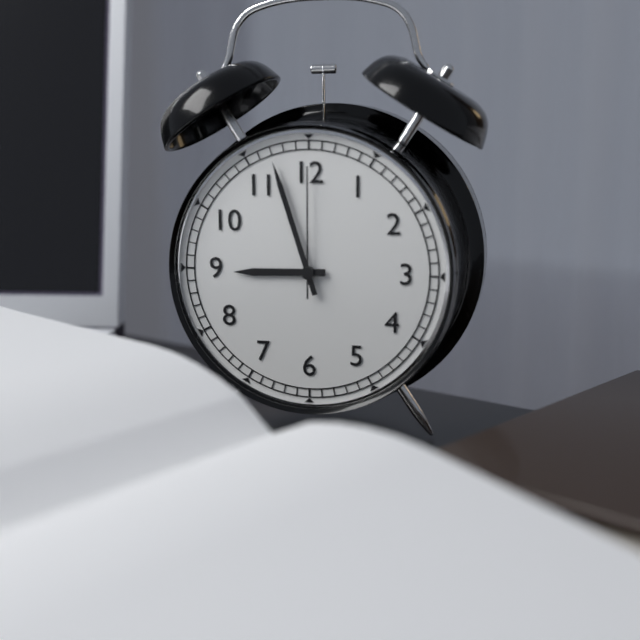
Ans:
8,57,00
